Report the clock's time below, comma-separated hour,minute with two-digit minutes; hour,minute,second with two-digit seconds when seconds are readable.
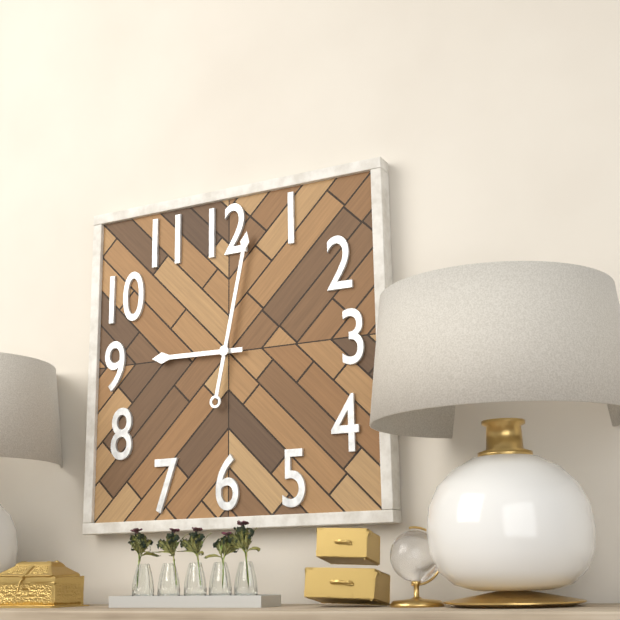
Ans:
9,02
